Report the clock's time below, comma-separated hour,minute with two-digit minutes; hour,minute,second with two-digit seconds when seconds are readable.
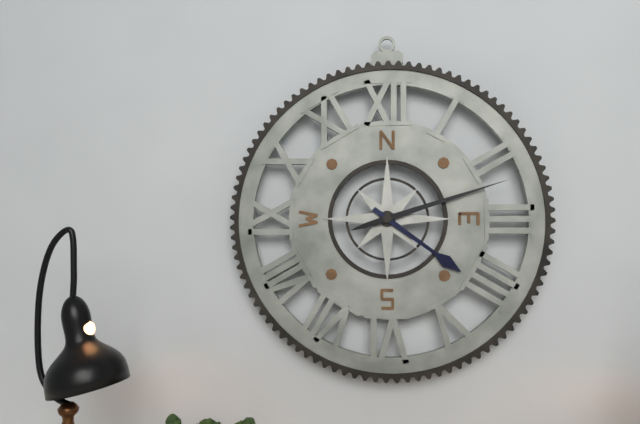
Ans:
4,12
